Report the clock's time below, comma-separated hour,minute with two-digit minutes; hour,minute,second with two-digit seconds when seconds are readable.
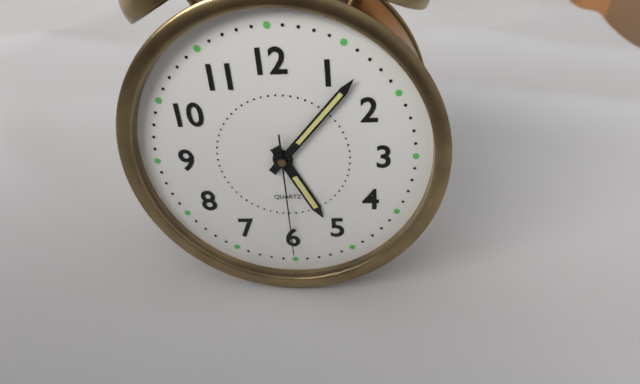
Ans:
5,07,30
